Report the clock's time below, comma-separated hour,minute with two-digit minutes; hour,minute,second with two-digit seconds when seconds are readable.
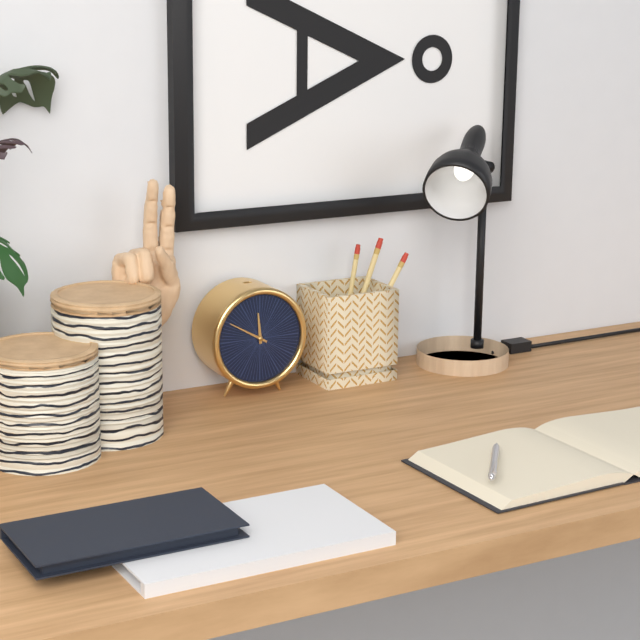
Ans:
11,50
